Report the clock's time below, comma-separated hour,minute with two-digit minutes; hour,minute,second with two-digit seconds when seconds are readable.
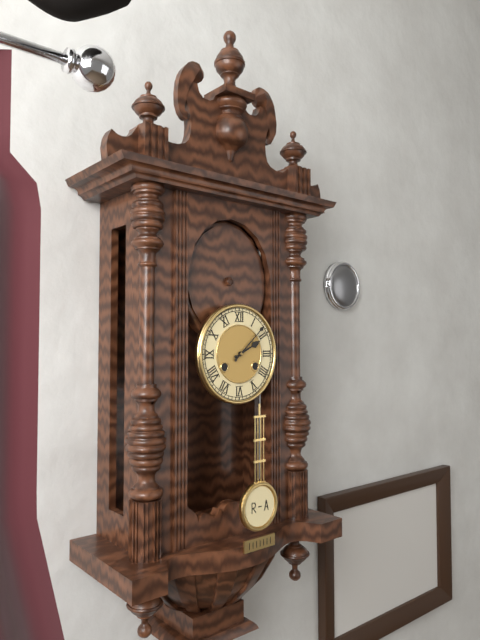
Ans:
2,08
